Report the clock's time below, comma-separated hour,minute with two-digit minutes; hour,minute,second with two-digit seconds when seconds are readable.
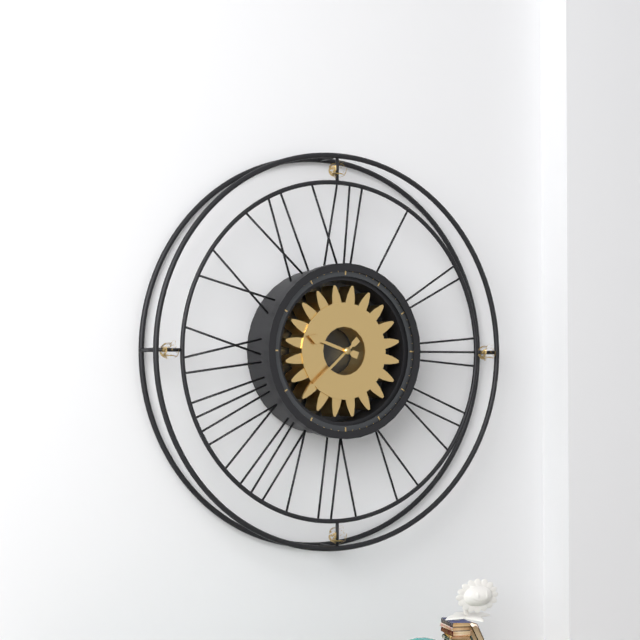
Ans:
9,38
